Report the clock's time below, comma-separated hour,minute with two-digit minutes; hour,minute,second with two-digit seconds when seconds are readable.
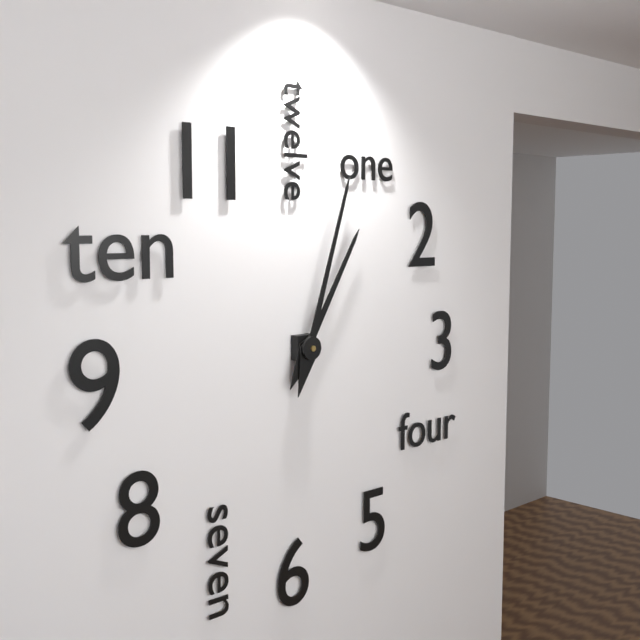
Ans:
1,03
